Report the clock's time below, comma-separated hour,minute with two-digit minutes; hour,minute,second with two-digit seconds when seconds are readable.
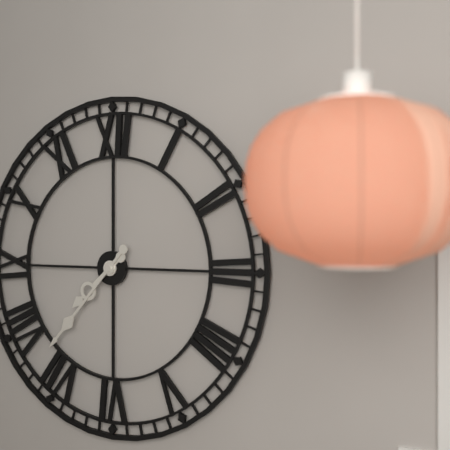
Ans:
7,37
